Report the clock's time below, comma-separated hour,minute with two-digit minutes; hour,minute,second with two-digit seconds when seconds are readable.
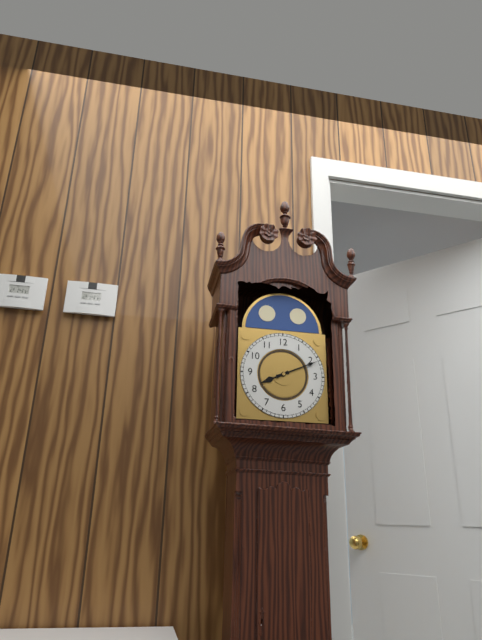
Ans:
8,11
